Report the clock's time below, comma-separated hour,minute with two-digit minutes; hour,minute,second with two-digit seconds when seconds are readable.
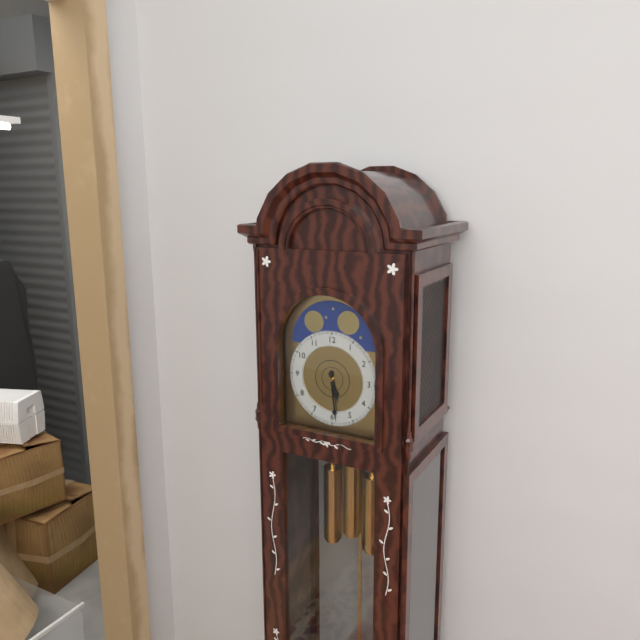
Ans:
5,29
